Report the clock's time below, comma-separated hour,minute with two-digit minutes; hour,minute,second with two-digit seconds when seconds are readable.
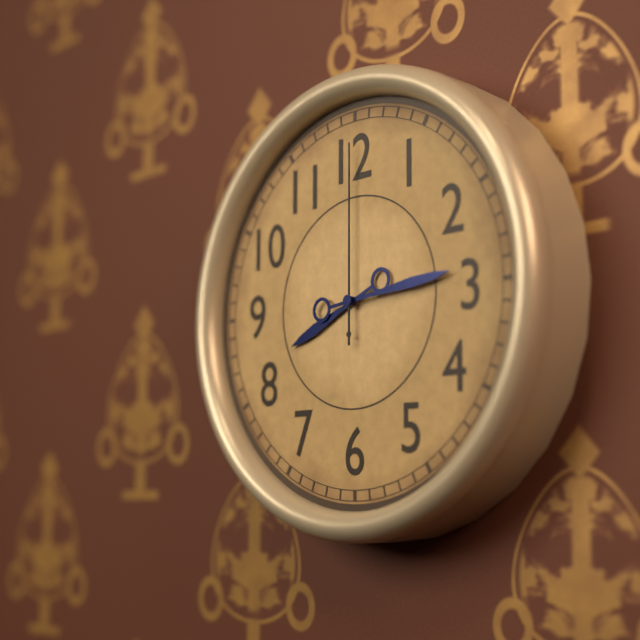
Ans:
8,14,00
